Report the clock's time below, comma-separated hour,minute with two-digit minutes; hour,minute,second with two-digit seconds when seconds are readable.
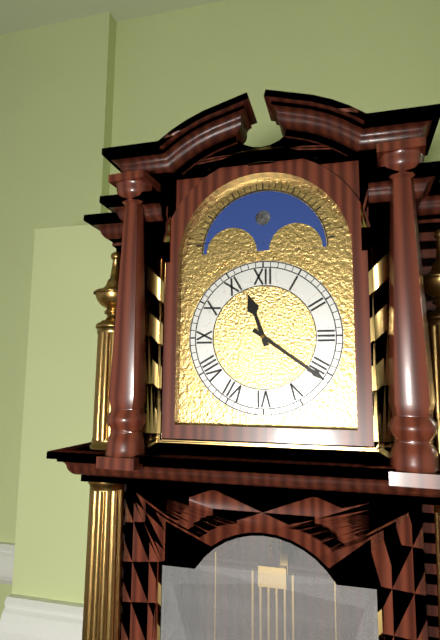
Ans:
11,21
